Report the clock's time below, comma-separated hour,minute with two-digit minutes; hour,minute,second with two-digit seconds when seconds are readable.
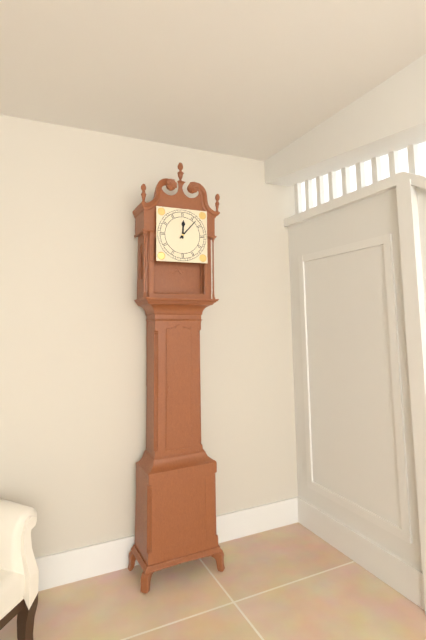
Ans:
12,07
